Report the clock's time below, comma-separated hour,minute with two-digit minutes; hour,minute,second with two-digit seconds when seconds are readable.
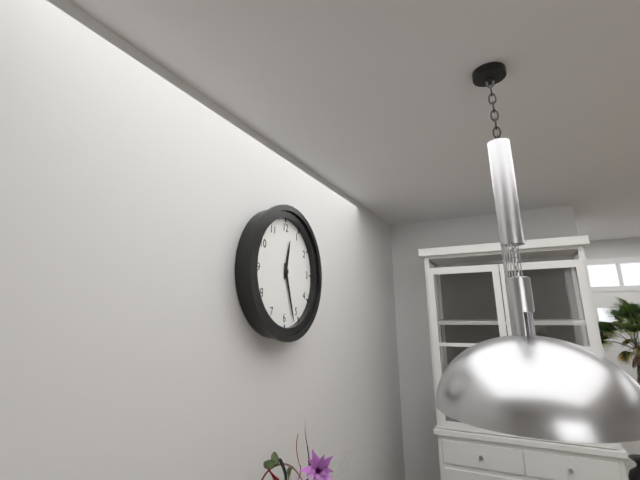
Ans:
12,27
